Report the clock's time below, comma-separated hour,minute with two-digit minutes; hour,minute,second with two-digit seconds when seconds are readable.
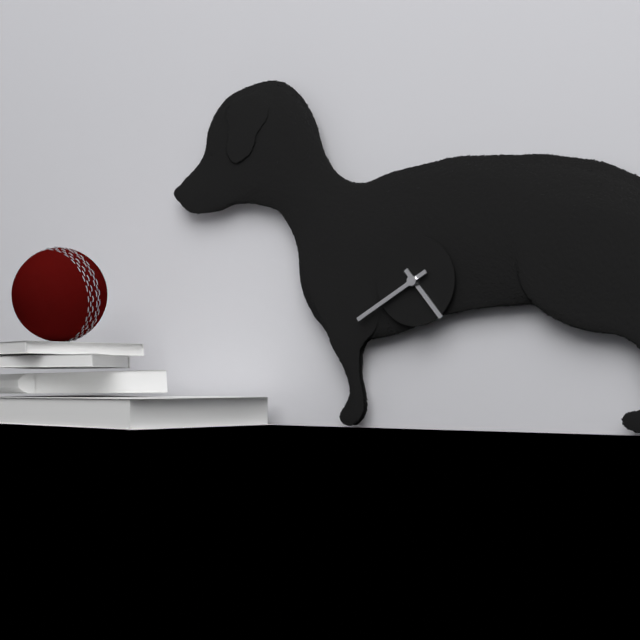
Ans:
4,40
